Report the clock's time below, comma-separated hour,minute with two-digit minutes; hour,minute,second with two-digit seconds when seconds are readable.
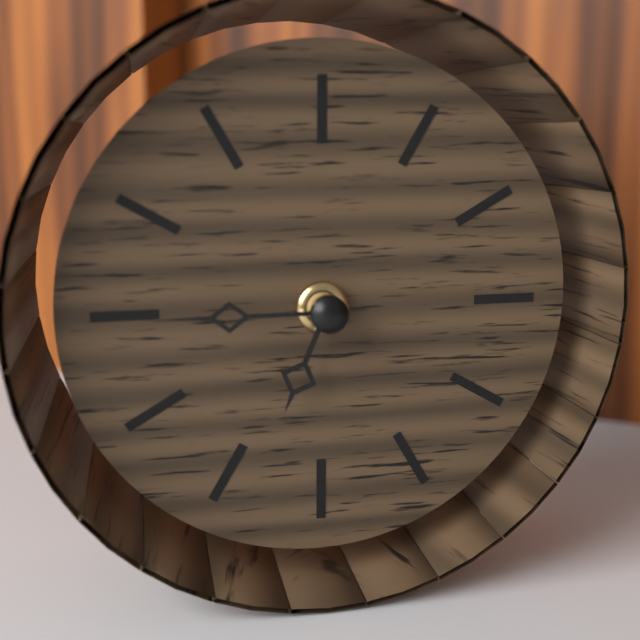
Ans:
6,45
